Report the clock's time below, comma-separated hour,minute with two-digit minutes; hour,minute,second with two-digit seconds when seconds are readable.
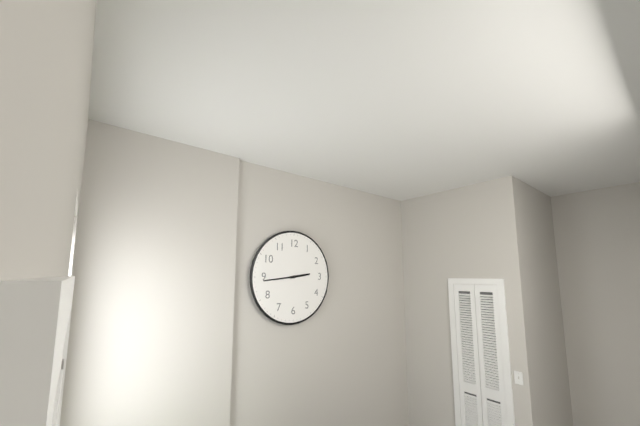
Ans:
2,44
